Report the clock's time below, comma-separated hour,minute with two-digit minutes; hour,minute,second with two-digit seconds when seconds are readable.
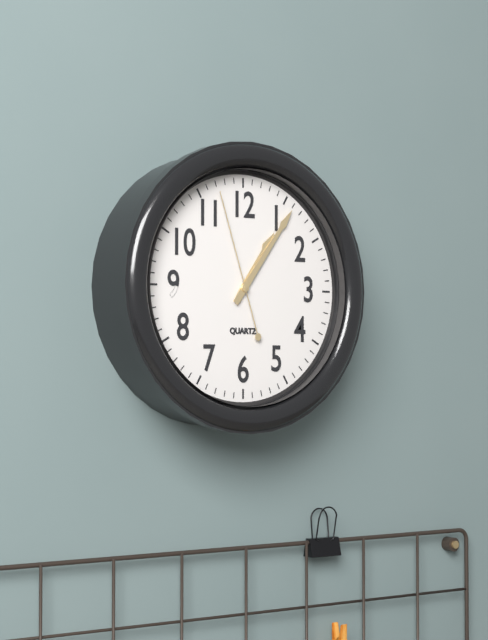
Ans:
1,06,57
